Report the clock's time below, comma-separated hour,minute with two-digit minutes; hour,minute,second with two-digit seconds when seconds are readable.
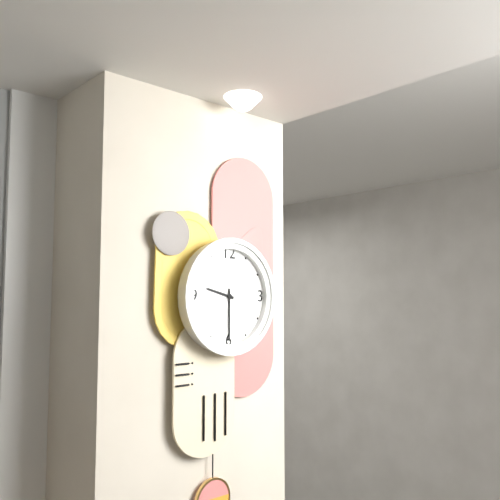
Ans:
9,30
